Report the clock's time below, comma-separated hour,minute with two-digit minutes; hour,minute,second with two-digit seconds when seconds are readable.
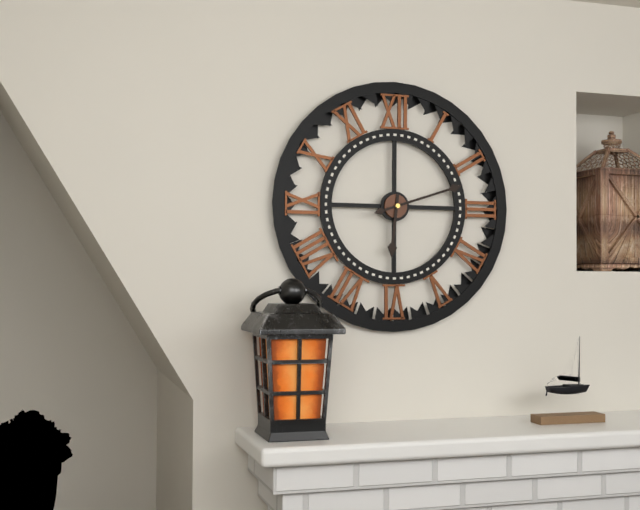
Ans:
6,12
